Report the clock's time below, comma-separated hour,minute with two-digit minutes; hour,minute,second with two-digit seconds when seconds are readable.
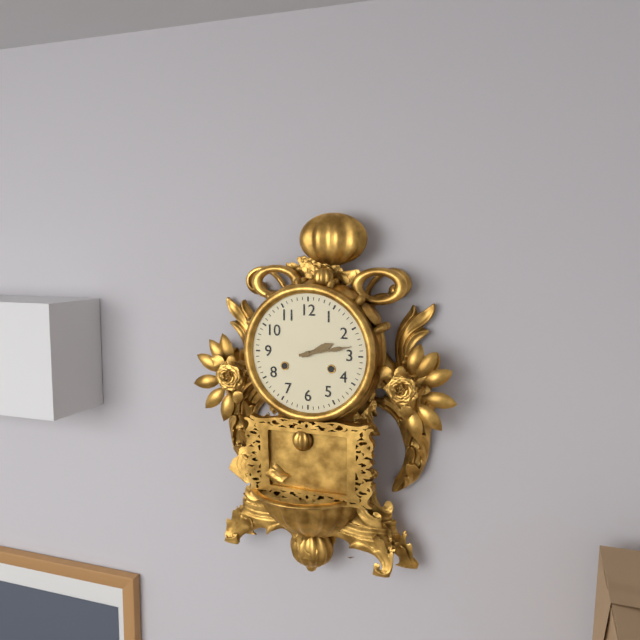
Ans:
2,13
